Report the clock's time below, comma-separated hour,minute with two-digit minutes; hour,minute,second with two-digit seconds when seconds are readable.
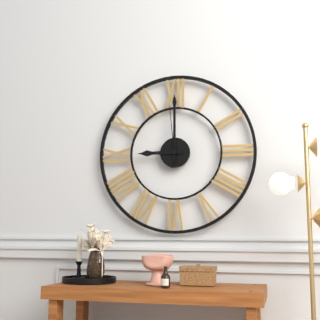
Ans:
9,00,59
